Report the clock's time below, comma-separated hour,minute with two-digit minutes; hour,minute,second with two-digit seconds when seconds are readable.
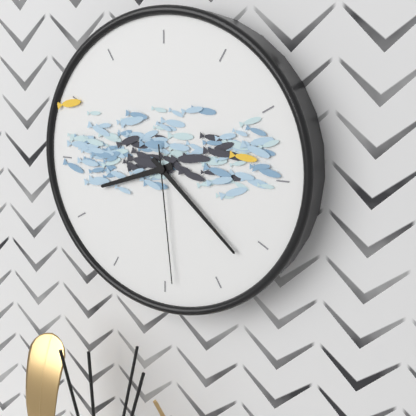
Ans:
8,22,29
